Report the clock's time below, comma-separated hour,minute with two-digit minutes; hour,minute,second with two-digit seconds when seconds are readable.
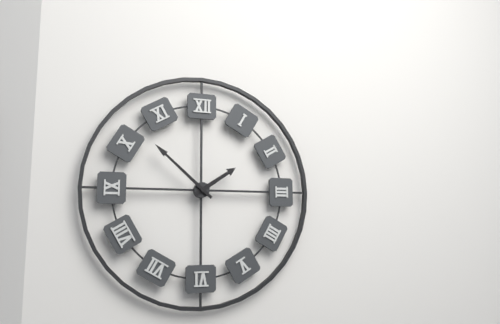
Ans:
1,52
